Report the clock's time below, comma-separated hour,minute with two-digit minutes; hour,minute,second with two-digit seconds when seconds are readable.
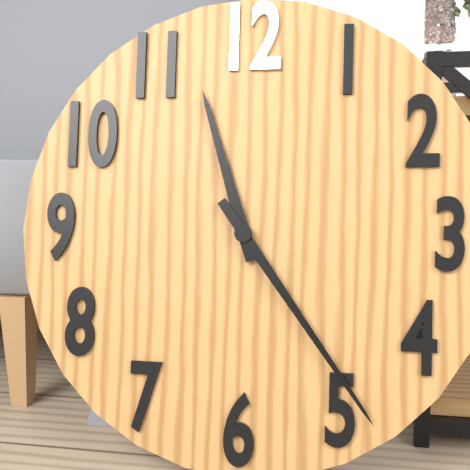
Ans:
11,24
